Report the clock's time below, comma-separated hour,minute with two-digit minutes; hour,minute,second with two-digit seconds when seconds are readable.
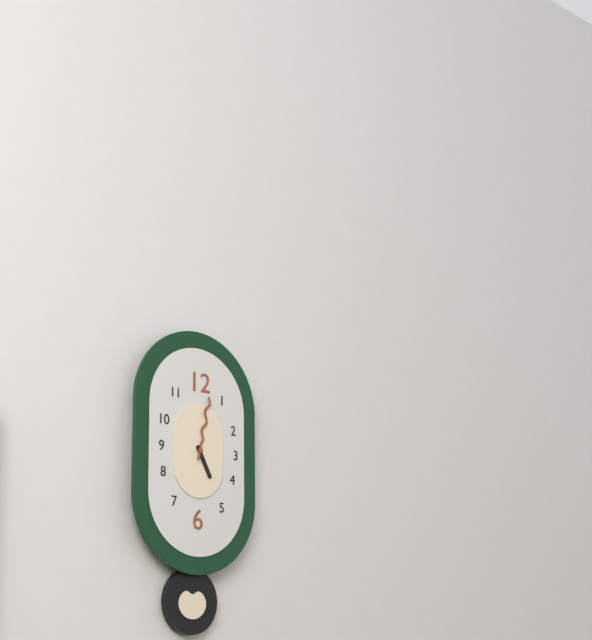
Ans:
5,02
